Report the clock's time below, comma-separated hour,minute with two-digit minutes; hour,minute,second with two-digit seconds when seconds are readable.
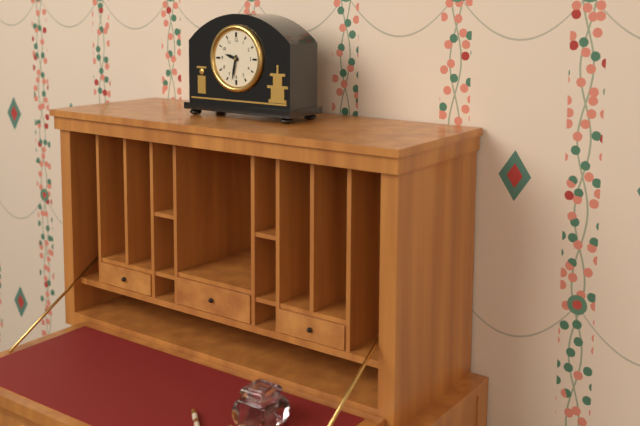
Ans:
9,32
